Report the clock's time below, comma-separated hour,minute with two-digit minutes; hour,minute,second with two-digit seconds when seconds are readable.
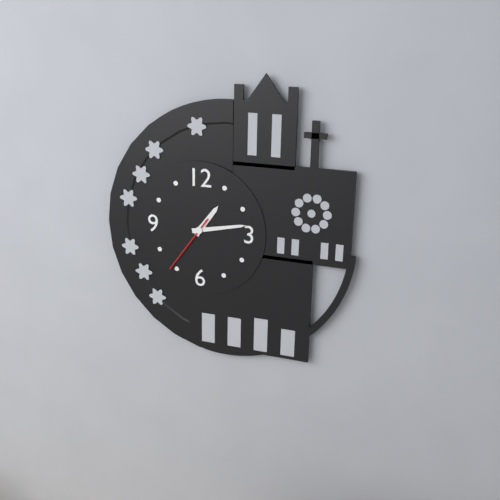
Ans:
1,13,36
